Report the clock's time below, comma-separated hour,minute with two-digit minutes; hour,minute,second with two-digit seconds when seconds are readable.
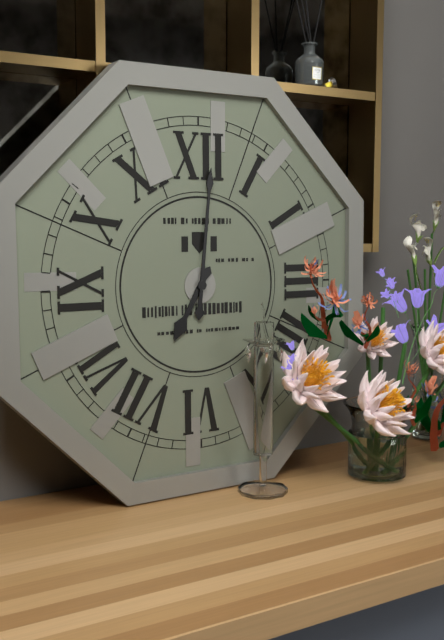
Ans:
7,01
